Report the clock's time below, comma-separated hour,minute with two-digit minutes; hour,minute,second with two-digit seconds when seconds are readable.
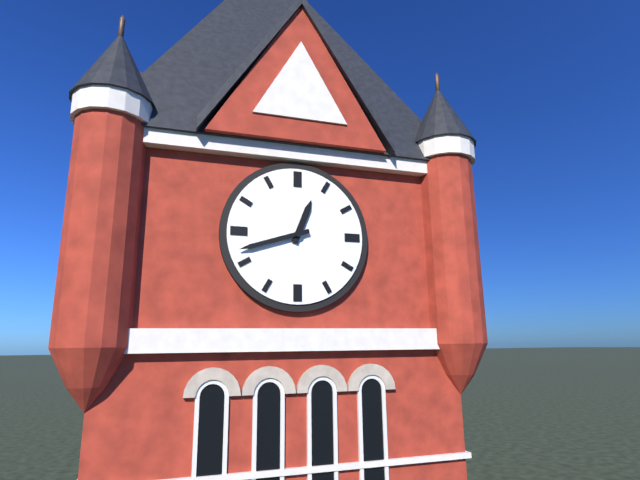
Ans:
12,42
